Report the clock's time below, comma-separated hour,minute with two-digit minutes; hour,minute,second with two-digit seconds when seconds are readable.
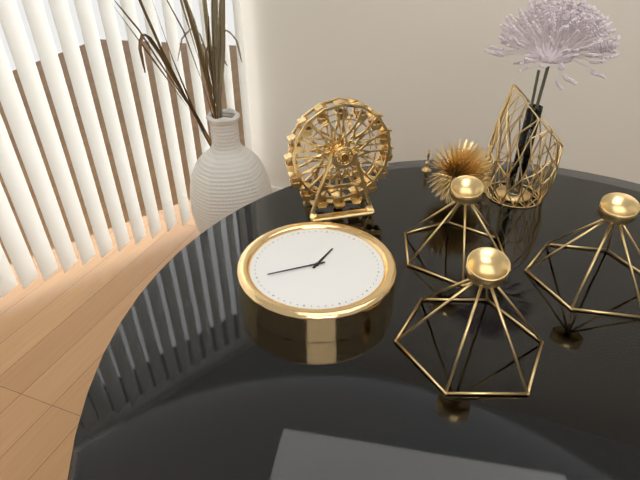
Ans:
12,40
